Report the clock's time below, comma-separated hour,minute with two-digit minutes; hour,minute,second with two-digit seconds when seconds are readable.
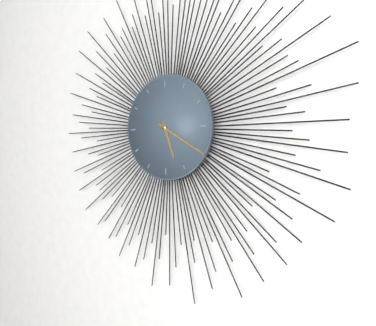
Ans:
5,20
